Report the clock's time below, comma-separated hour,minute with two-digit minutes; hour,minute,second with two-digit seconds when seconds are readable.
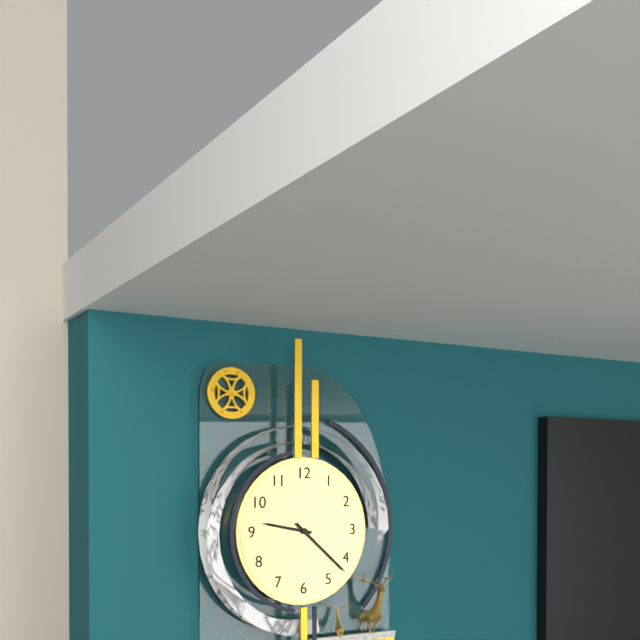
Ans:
9,22
